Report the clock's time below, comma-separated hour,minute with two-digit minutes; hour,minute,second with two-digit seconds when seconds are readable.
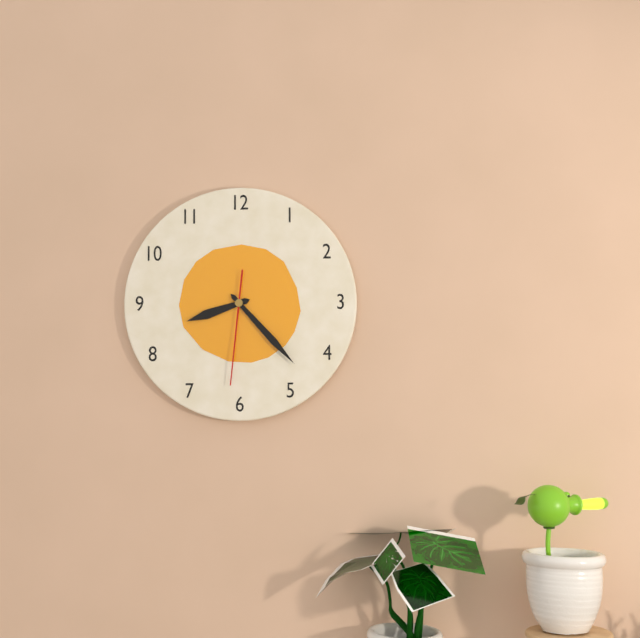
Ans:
8,23,31
